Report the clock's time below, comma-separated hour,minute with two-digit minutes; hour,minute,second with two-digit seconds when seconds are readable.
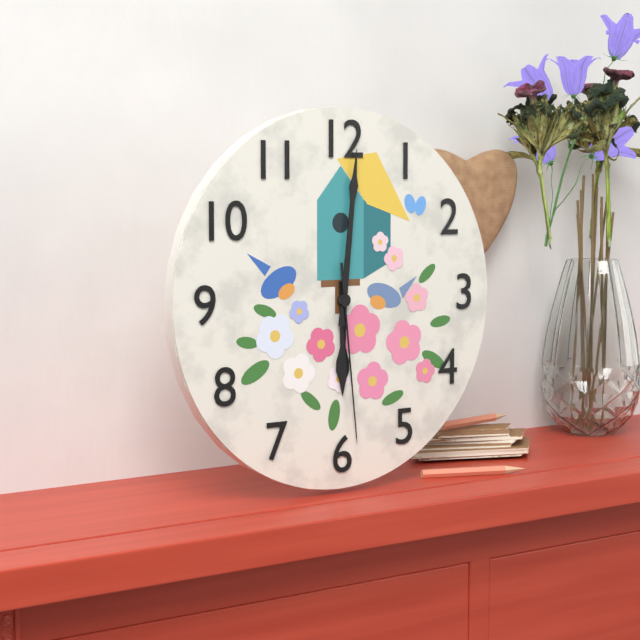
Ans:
6,01,29
